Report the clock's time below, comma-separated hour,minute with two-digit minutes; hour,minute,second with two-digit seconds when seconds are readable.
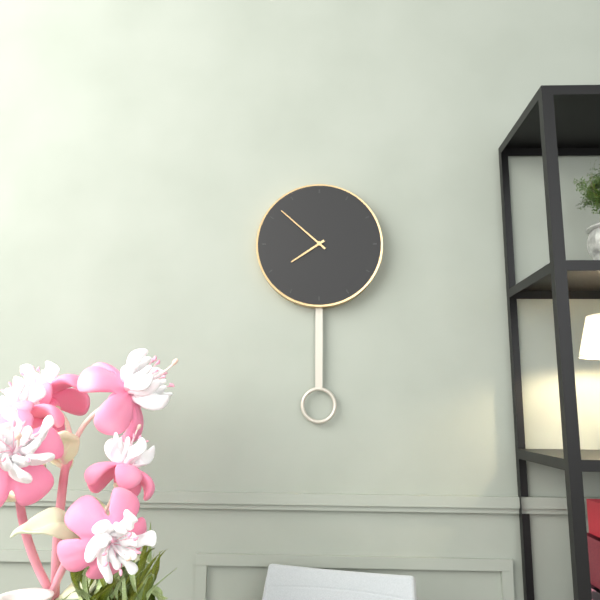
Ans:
7,52
